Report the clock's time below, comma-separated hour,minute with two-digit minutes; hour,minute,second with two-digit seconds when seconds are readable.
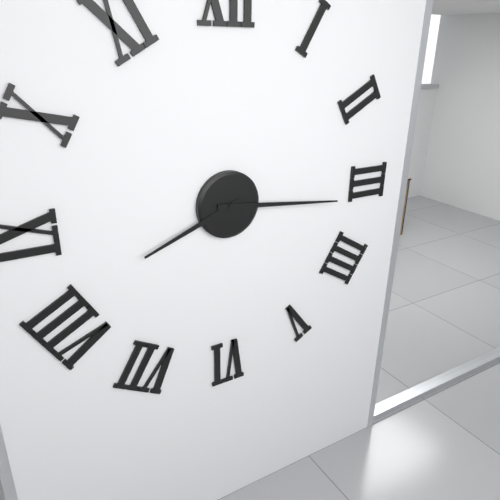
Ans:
8,16
